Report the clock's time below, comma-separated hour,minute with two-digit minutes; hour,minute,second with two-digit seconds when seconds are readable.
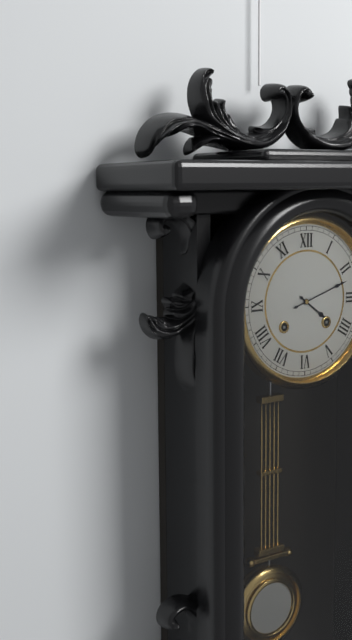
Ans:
4,12
